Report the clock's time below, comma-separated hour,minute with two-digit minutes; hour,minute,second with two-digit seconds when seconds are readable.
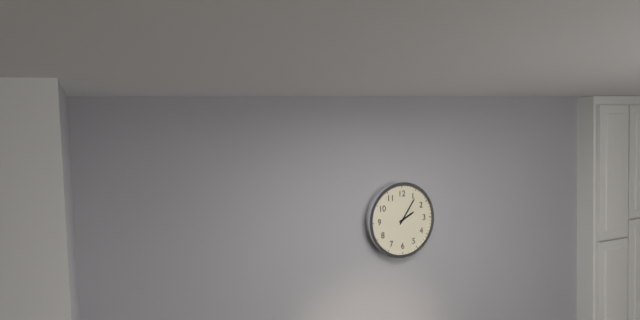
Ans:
2,06
